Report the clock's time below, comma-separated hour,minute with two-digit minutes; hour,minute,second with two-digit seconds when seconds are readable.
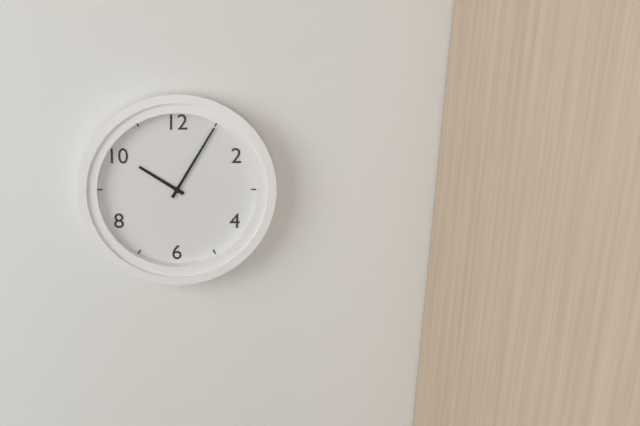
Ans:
10,05
